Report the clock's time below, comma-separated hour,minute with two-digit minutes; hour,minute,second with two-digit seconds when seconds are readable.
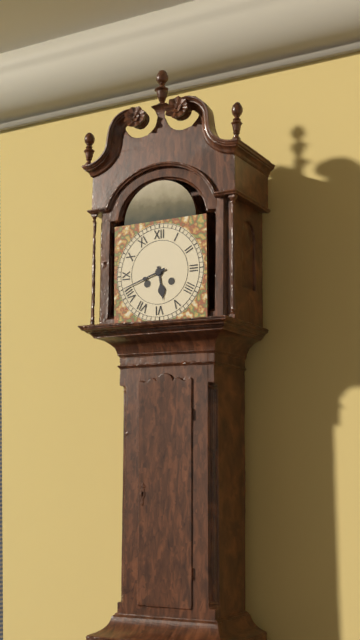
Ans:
5,42
